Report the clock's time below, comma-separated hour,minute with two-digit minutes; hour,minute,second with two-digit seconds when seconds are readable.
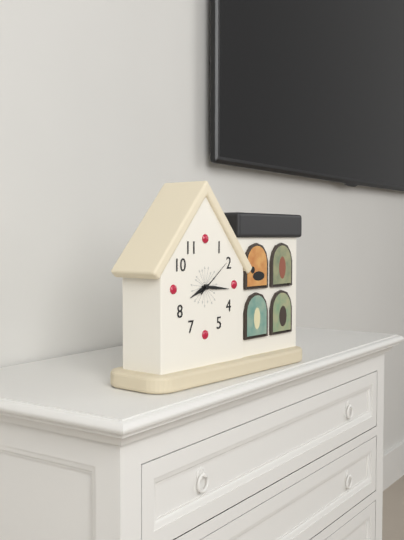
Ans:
8,16,09
